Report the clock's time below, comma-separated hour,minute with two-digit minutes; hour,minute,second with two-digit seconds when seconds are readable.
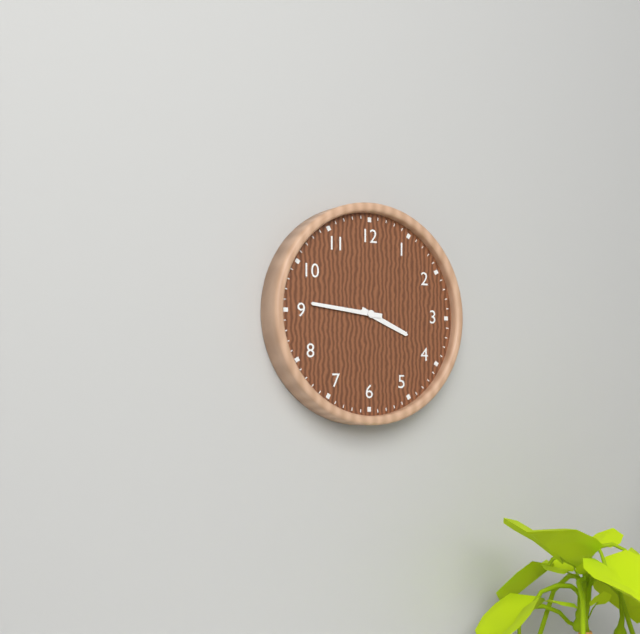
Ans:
3,46
